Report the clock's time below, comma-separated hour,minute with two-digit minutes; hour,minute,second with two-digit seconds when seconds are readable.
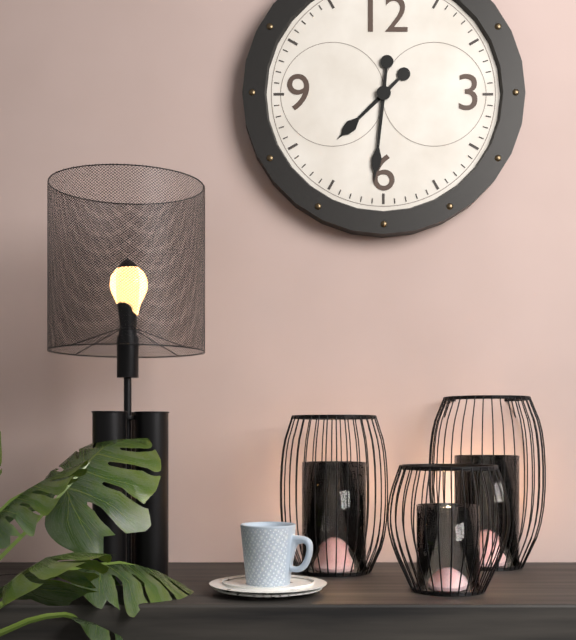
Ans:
7,31
